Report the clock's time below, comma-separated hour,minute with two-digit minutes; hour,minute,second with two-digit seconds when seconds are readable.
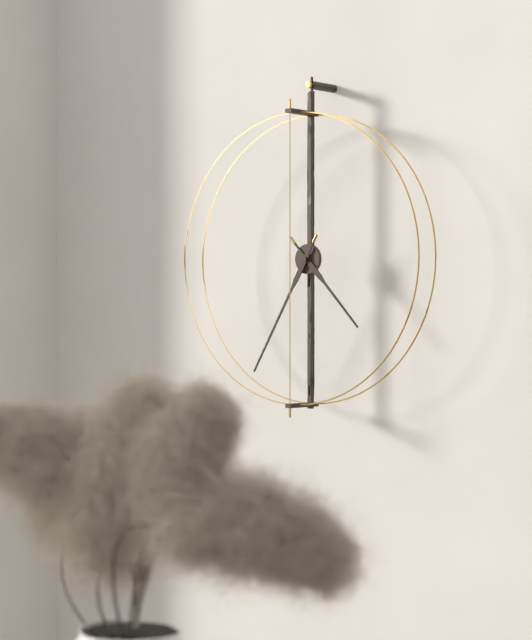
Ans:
4,35
